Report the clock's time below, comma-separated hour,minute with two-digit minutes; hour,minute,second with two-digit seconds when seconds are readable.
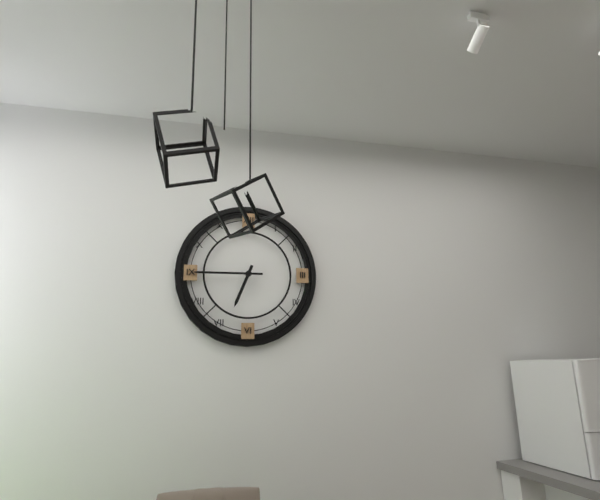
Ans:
6,45
